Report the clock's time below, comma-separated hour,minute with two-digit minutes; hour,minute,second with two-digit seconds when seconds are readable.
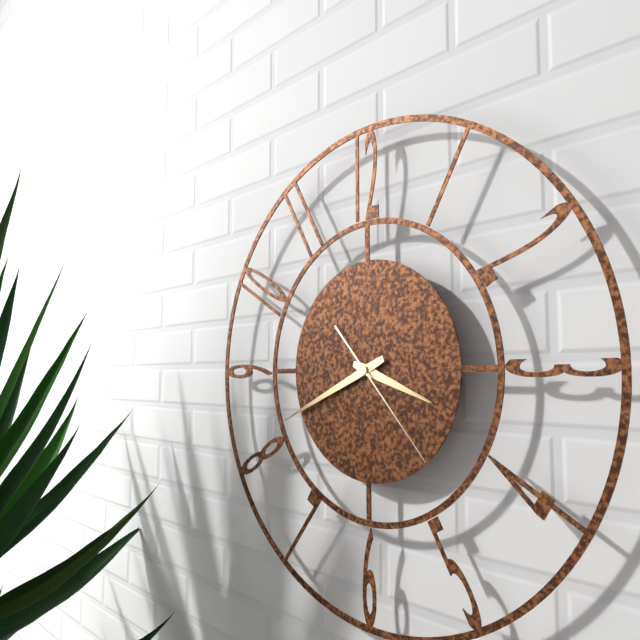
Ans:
3,41,23
